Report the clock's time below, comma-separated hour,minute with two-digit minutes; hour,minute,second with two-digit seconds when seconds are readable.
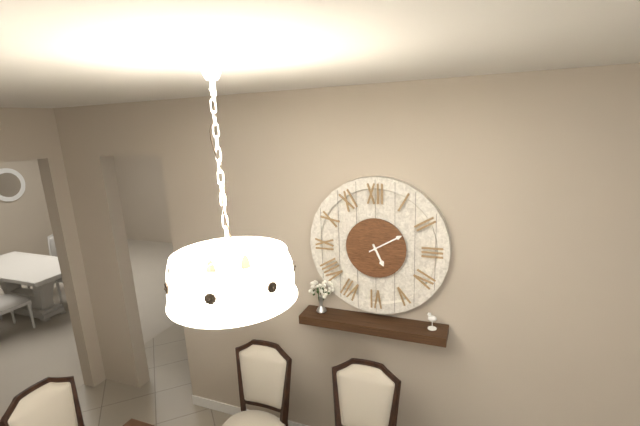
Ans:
5,10
